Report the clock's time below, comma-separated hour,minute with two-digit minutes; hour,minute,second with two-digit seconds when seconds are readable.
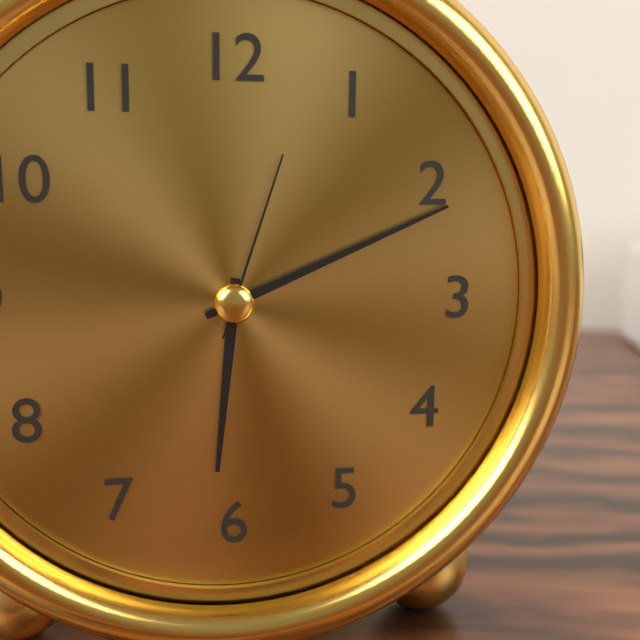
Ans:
6,11,03
